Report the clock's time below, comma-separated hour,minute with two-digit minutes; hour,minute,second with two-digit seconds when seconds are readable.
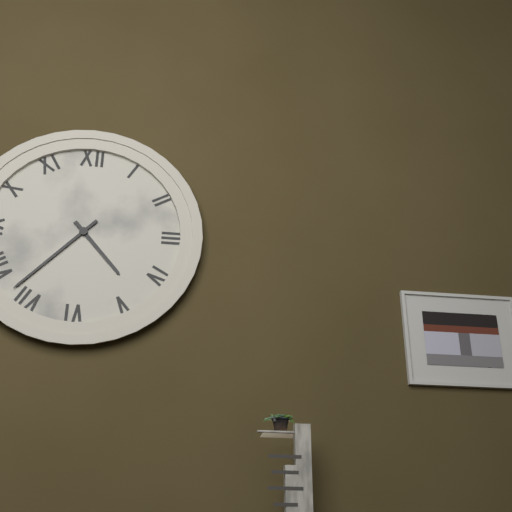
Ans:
4,37
